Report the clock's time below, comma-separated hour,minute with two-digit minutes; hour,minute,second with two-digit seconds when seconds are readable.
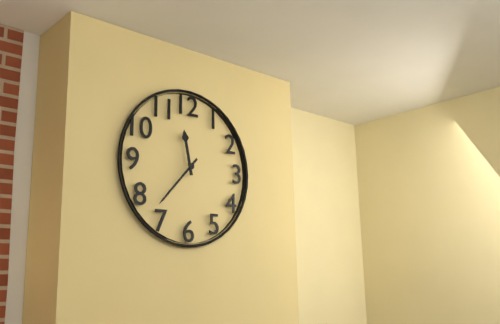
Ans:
11,37
